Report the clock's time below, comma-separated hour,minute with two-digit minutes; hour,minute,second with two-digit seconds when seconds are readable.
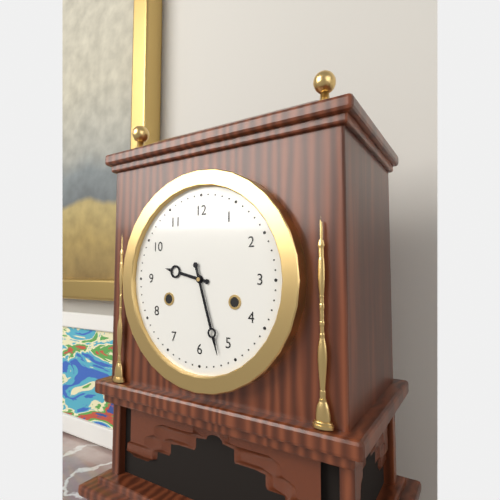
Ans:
9,27
